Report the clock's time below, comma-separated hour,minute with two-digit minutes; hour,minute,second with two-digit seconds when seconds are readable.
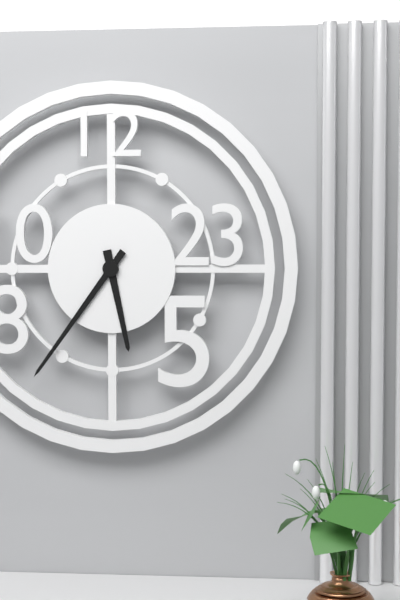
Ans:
5,36
